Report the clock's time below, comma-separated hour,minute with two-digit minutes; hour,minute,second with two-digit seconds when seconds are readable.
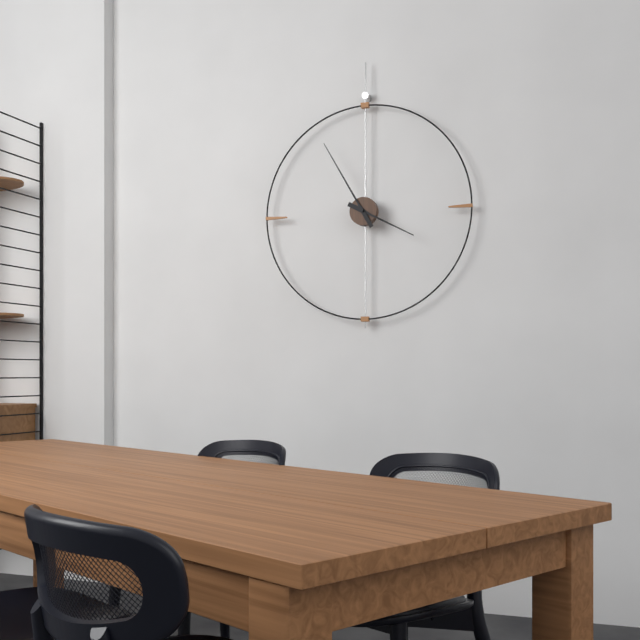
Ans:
3,55
